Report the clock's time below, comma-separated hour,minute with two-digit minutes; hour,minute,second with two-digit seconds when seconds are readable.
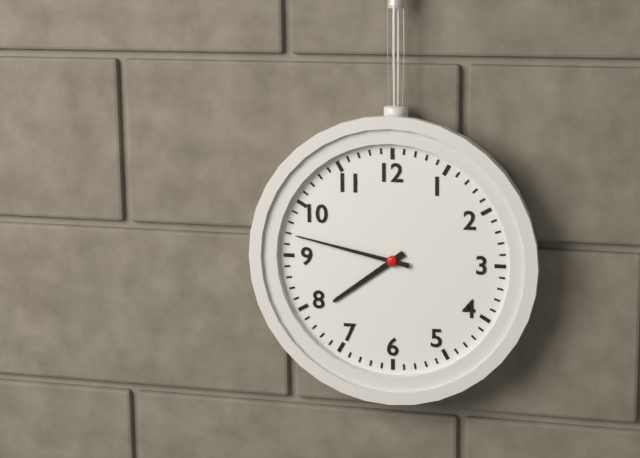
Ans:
7,47
